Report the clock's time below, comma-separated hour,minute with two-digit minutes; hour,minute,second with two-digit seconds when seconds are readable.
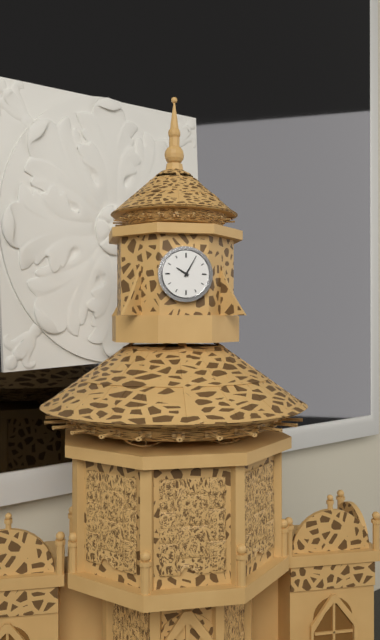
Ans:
10,05
